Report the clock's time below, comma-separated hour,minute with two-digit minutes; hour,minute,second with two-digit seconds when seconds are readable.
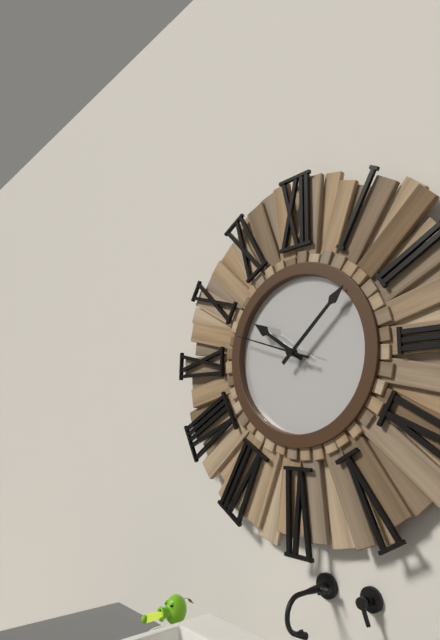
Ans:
10,08,48
